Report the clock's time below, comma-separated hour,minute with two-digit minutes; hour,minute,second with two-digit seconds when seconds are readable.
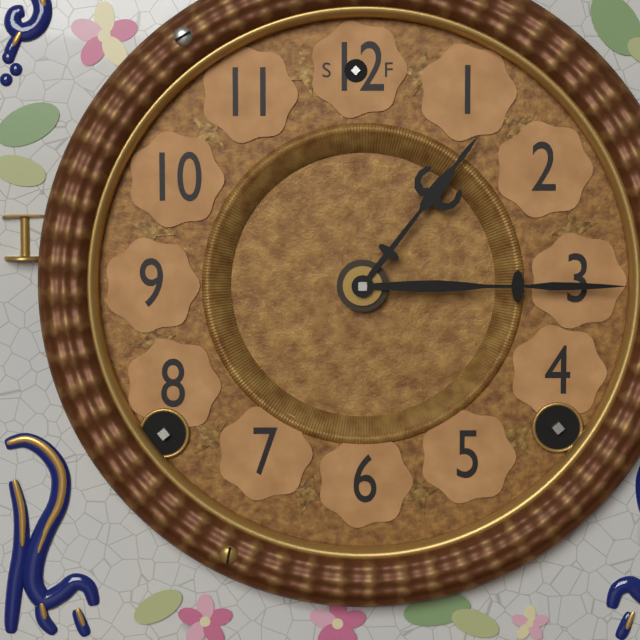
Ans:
1,15
